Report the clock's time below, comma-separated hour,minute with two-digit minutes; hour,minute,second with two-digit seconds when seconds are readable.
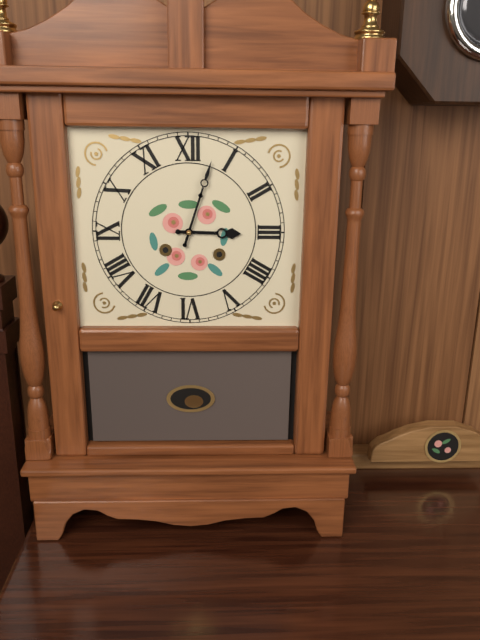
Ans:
3,03
